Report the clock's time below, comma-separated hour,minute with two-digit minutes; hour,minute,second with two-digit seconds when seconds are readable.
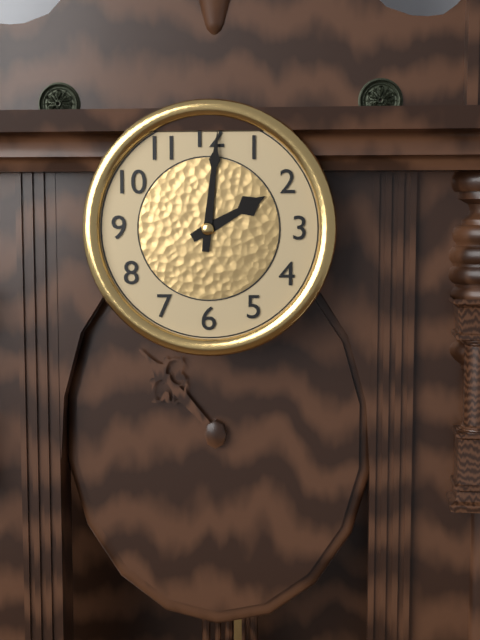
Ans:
2,01
